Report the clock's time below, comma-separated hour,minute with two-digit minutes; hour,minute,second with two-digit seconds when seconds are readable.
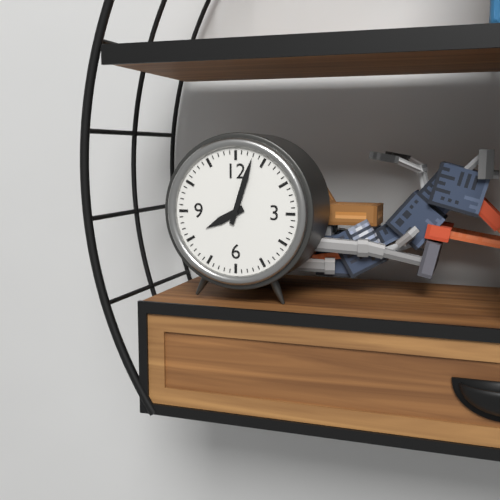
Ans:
8,03
